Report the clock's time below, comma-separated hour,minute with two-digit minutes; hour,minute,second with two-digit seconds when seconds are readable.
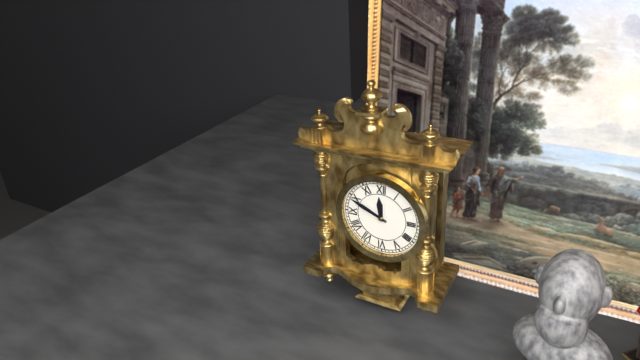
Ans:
11,49
